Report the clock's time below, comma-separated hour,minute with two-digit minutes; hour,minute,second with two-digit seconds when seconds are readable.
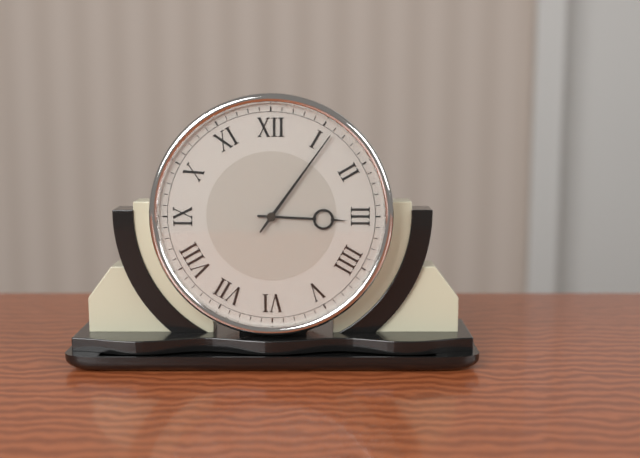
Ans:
3,06
